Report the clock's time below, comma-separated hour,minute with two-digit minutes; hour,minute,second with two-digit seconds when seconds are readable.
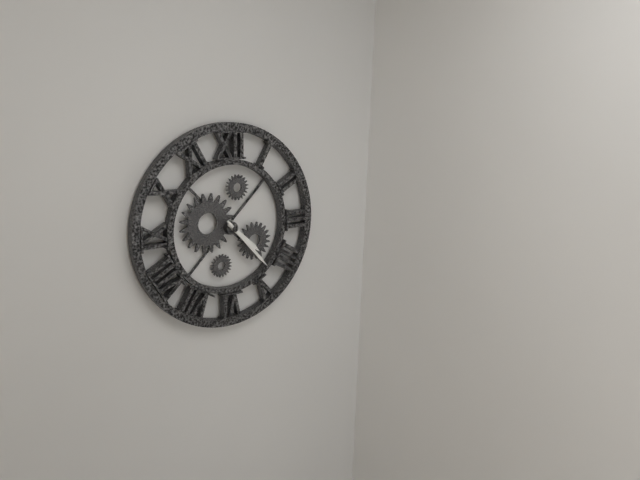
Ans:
4,23
